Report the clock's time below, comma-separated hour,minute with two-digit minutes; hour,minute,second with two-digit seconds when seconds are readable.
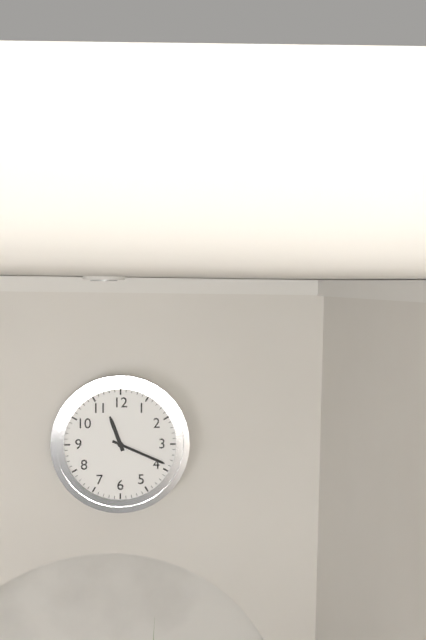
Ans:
11,19
